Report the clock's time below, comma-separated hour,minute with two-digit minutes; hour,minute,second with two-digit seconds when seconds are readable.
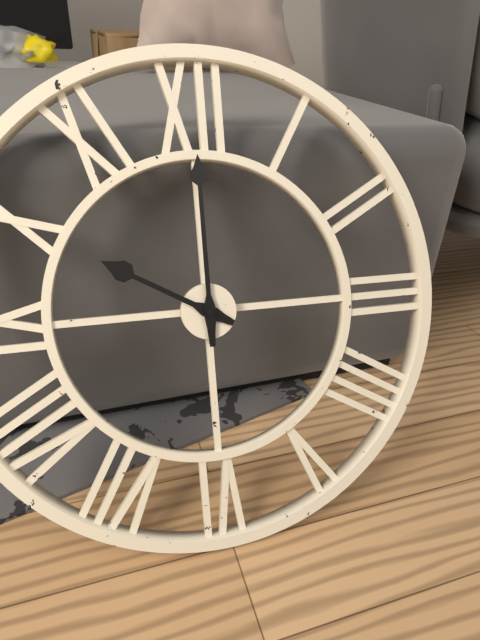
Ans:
10,00
